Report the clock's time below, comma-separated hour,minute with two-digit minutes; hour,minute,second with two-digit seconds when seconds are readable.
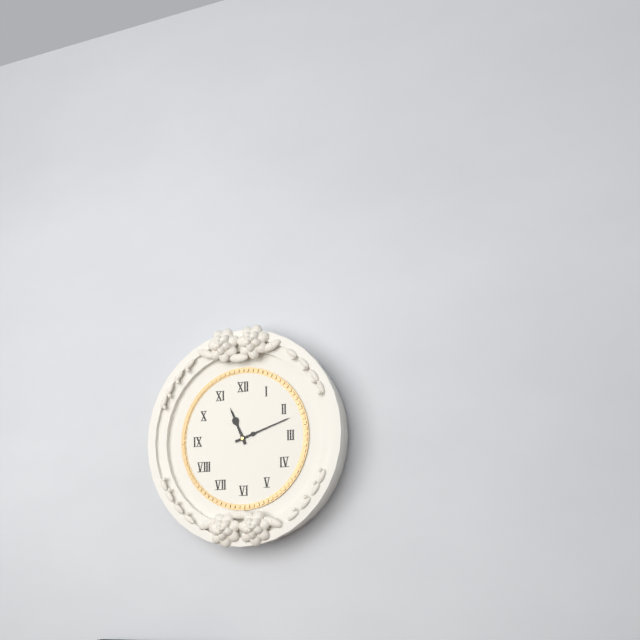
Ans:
11,12
